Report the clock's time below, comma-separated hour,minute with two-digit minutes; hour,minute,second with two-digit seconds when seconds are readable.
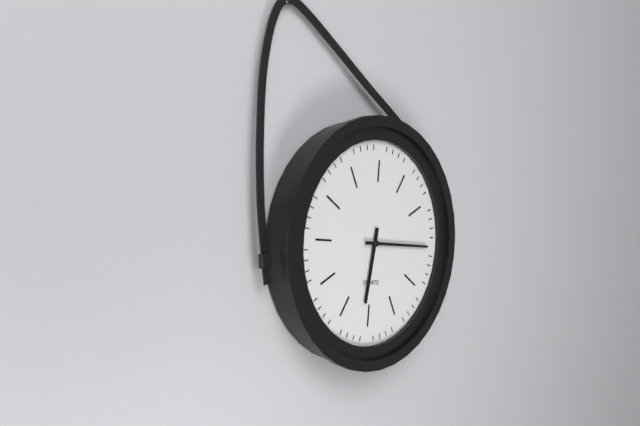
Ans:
6,15
